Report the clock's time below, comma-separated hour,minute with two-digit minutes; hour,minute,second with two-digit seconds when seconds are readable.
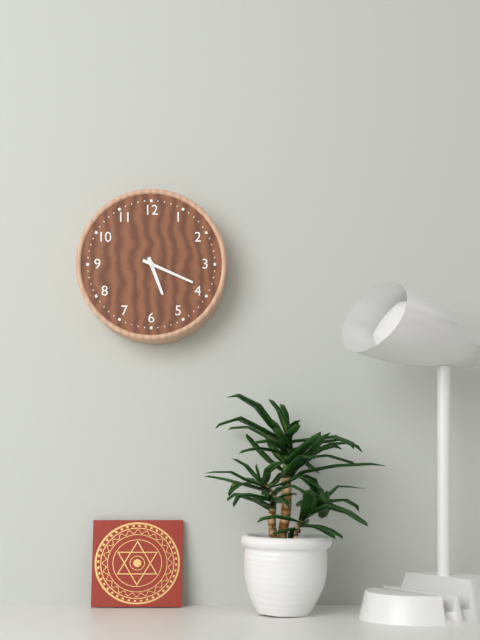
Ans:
5,19
